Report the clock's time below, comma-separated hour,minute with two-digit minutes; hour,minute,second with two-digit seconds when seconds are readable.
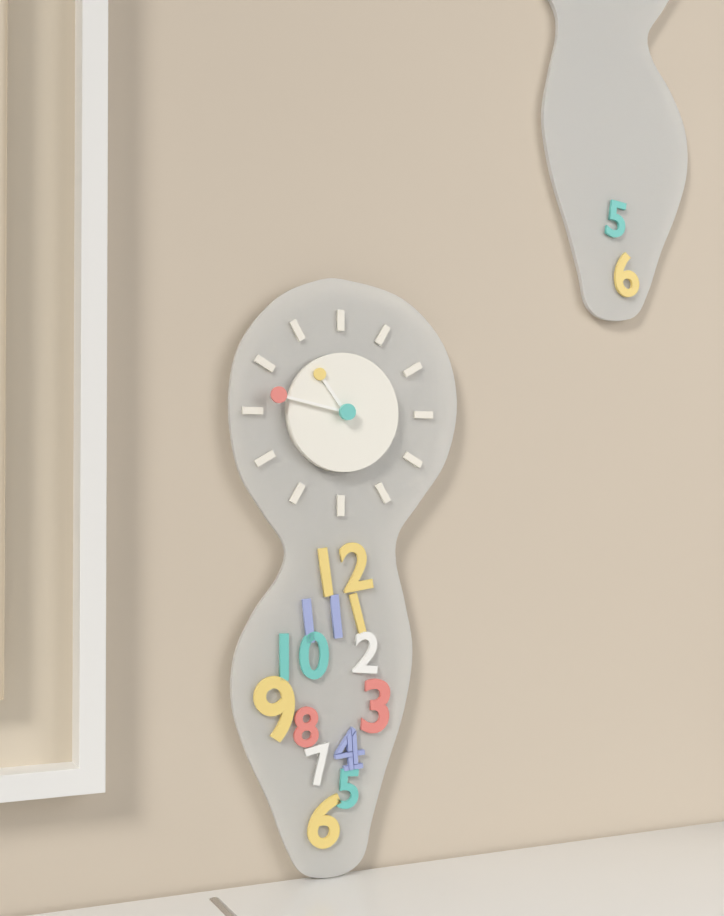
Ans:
10,47
